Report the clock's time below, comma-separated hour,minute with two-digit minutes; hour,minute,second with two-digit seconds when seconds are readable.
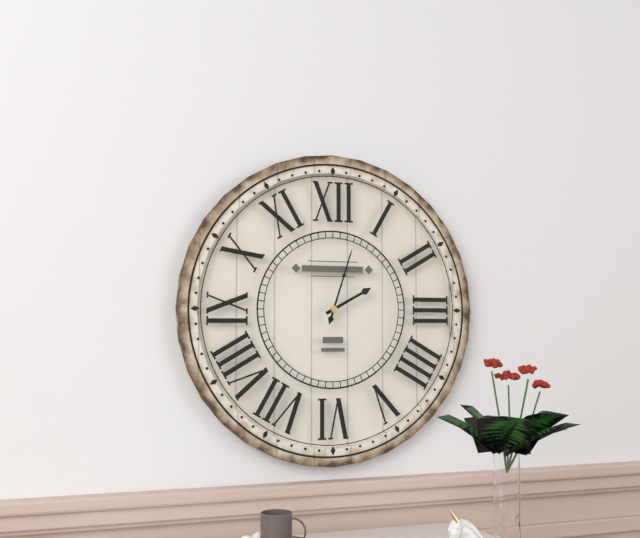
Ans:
2,03
